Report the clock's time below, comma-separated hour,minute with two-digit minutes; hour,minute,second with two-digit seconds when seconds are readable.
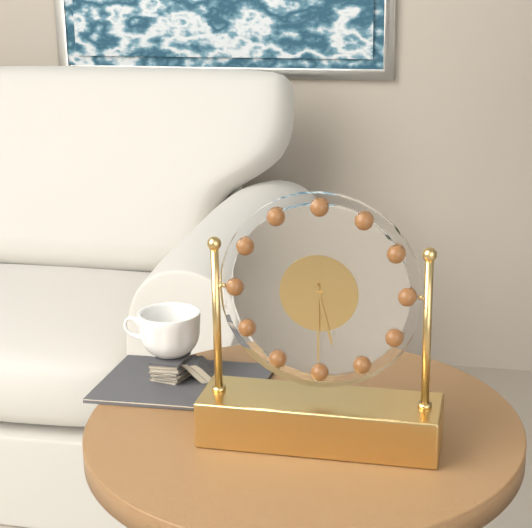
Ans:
5,30
